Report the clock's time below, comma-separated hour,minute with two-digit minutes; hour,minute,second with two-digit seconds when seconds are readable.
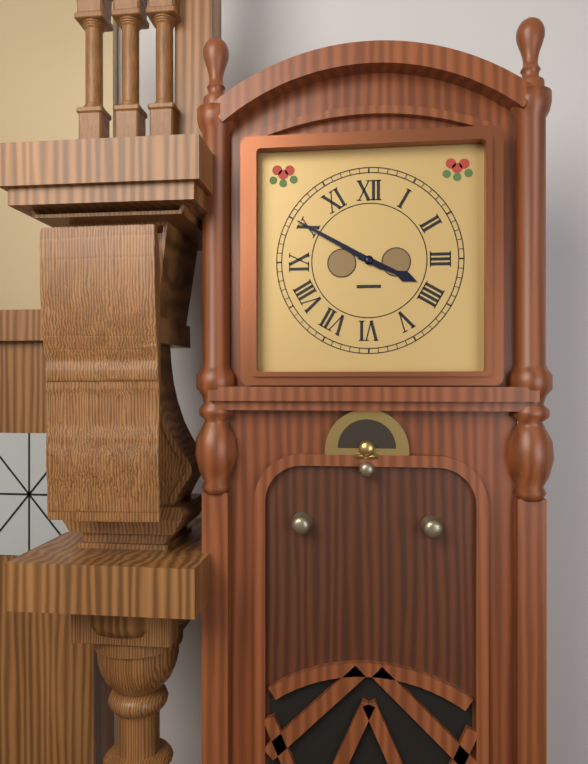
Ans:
3,50
